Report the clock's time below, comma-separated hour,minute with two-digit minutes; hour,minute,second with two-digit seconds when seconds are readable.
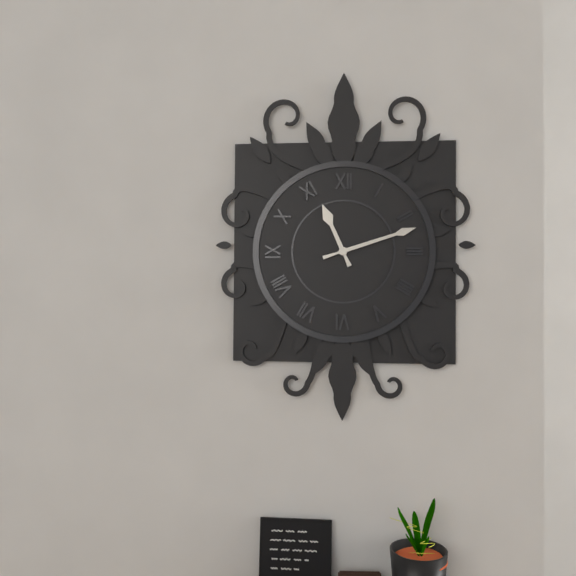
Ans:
11,12
